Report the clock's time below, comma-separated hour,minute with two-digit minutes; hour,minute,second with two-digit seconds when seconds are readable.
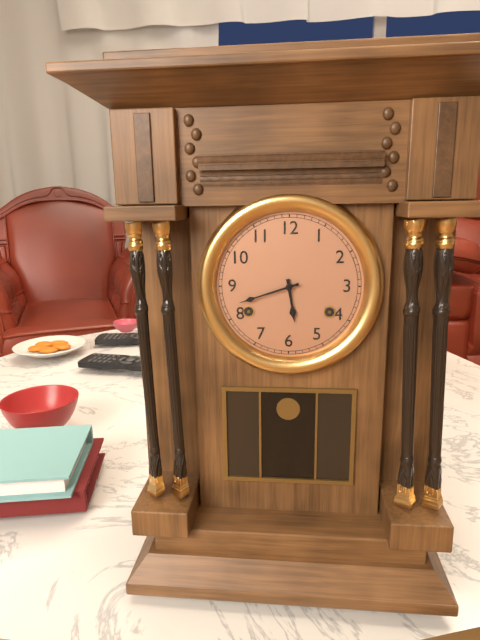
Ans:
5,42
